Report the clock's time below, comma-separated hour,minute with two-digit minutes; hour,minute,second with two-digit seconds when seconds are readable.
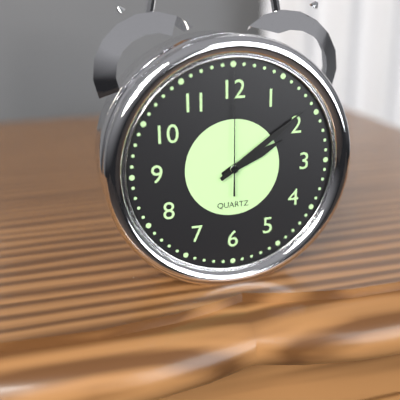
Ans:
2,09,00
